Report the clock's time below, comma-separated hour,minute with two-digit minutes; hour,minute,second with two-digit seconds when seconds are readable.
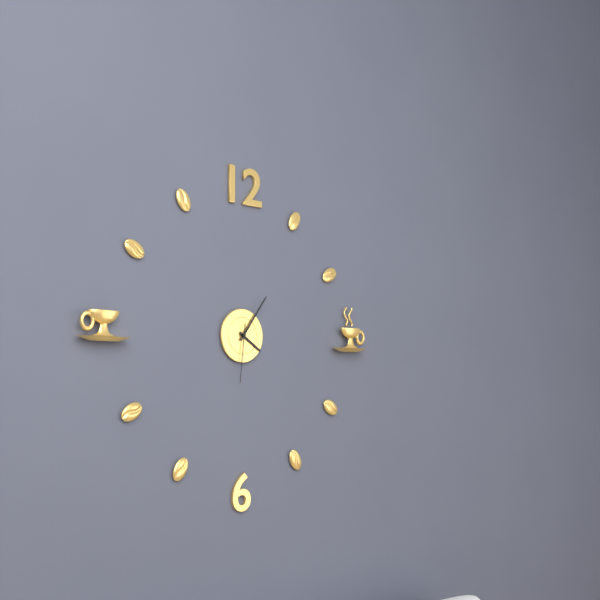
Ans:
4,06,31
